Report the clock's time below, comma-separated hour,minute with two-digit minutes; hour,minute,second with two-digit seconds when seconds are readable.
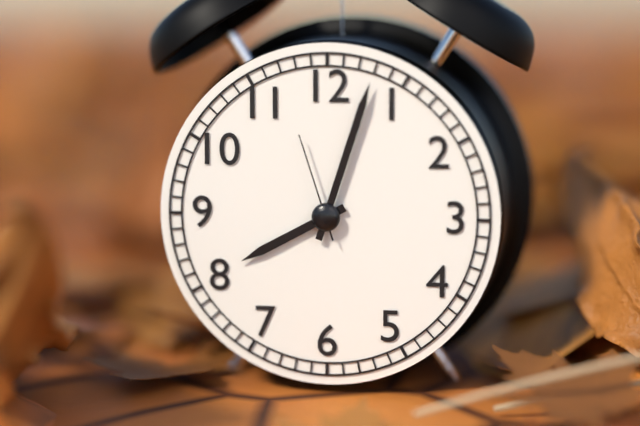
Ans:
8,03,57
